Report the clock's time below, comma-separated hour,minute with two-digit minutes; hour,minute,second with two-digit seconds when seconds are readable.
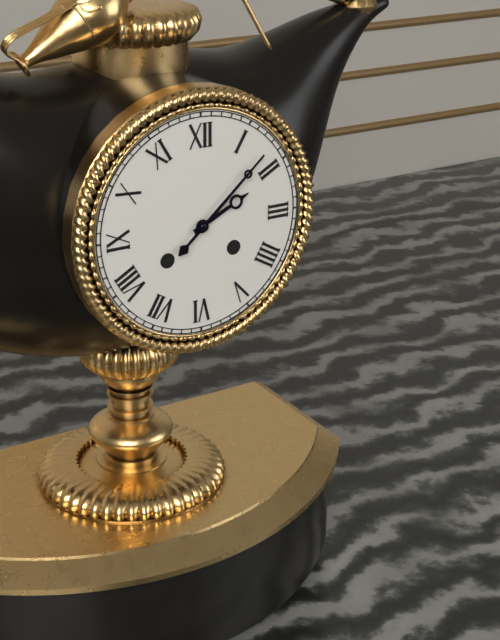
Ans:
2,08
